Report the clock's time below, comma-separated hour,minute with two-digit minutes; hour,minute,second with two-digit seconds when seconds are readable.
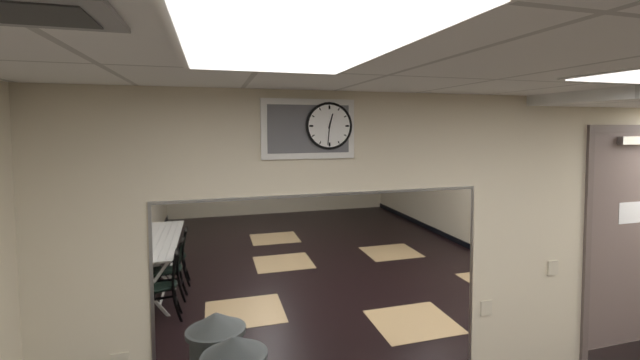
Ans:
12,31
